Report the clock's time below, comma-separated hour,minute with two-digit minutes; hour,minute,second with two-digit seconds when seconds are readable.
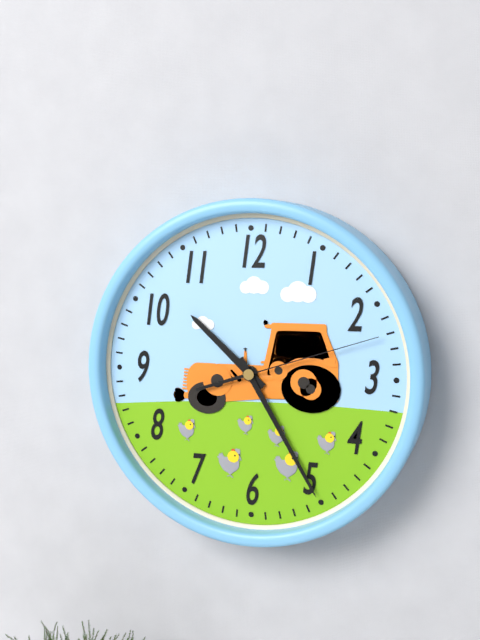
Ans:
10,25,12
